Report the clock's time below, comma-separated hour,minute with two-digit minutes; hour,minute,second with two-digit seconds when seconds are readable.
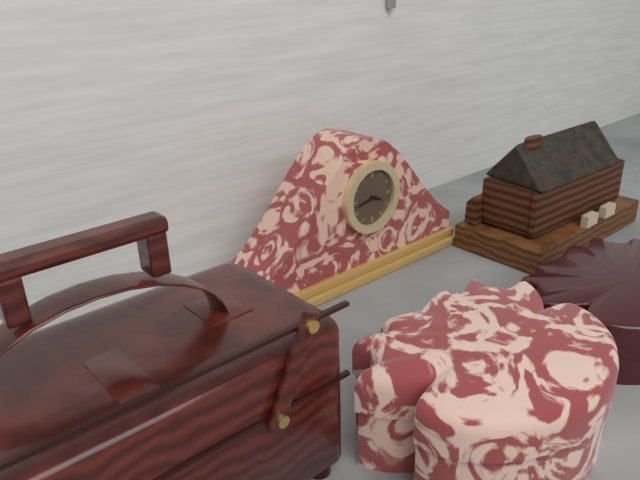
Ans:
3,43
